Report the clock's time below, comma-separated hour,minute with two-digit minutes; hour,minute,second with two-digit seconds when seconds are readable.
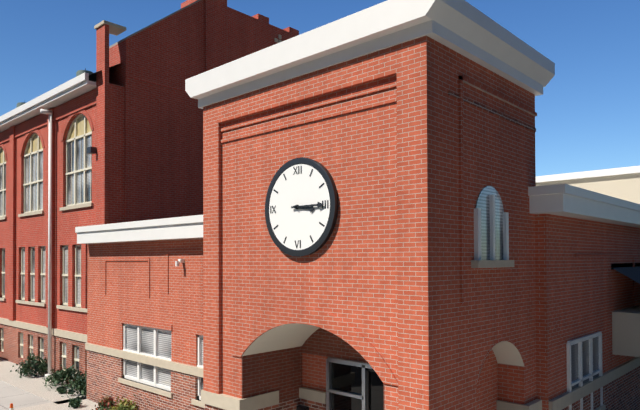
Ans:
3,15
